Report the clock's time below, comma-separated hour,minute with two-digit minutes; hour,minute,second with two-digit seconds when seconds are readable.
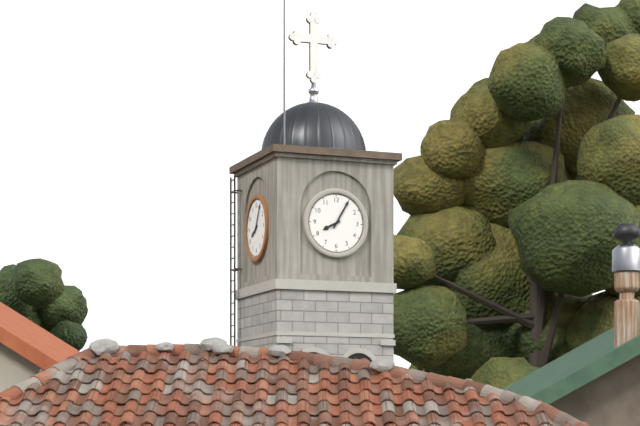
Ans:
8,05
